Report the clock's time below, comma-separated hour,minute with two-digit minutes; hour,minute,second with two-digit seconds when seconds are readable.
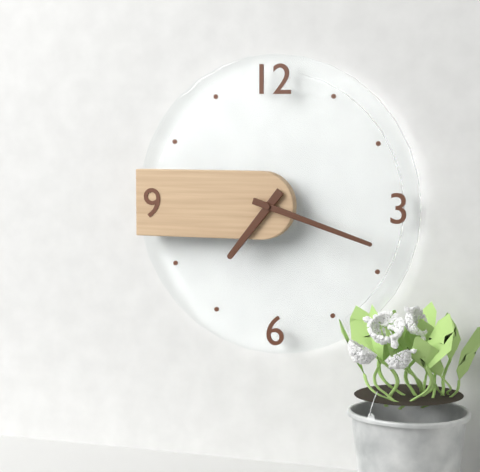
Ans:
7,18
